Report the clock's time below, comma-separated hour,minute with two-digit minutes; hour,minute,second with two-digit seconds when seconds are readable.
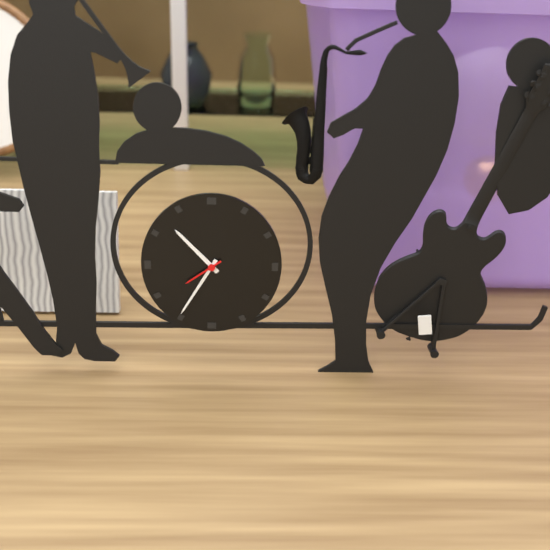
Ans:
10,35
